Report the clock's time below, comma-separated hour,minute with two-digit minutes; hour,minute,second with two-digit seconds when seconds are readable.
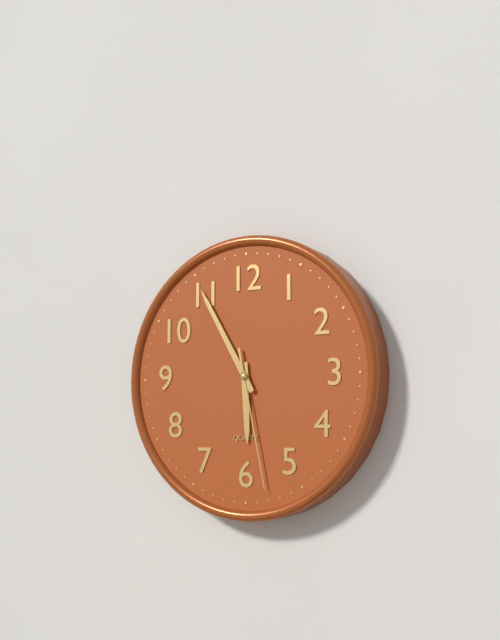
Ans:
5,55,28
